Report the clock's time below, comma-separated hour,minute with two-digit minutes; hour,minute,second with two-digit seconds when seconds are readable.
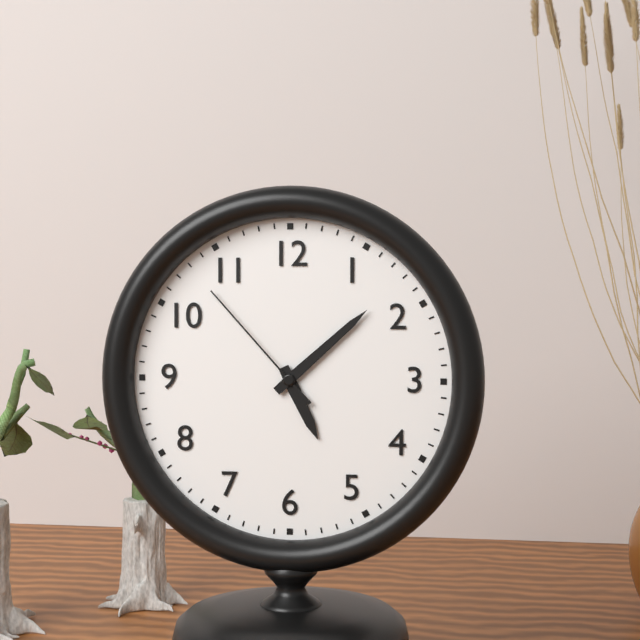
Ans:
5,08,53
